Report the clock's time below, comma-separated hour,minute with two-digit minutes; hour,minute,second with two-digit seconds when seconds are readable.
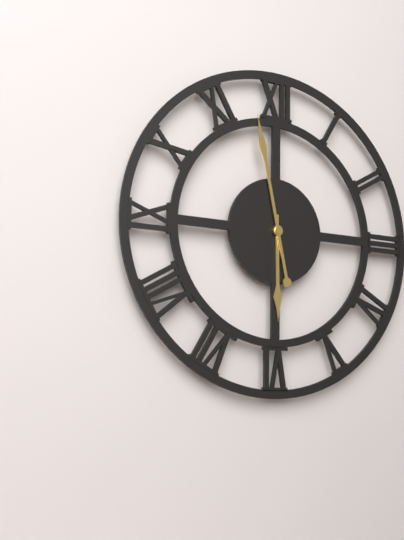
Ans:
5,58
